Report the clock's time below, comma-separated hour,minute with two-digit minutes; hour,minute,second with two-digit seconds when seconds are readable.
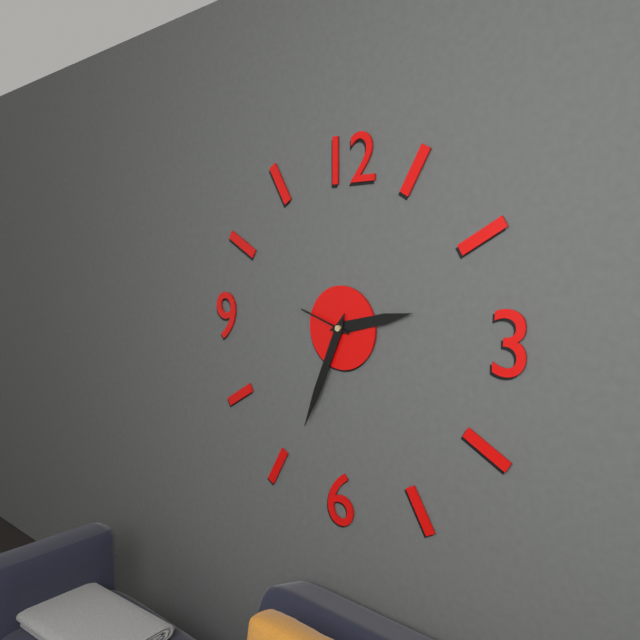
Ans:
2,34,48
